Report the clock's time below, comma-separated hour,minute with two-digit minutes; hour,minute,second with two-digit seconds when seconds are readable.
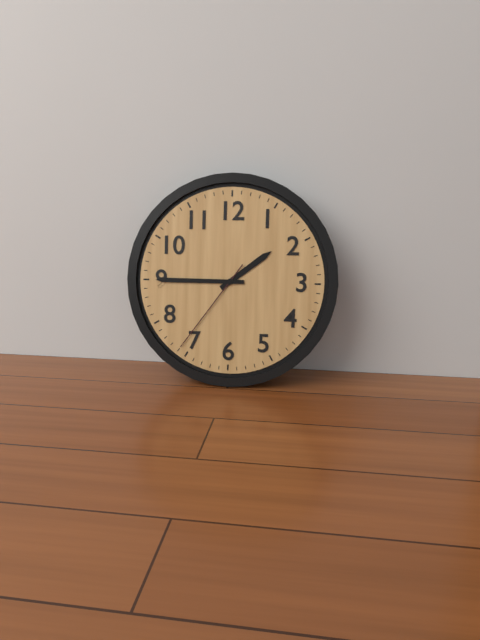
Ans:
1,45,36
